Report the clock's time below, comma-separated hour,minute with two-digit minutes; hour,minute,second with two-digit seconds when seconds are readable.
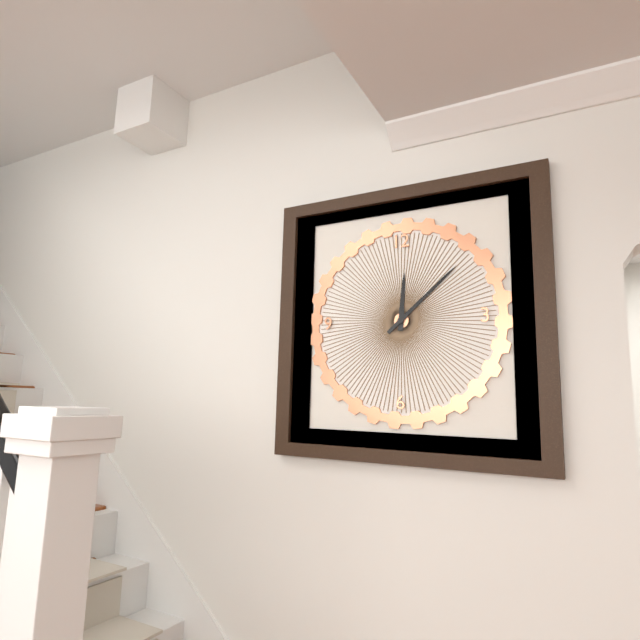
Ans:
12,08
